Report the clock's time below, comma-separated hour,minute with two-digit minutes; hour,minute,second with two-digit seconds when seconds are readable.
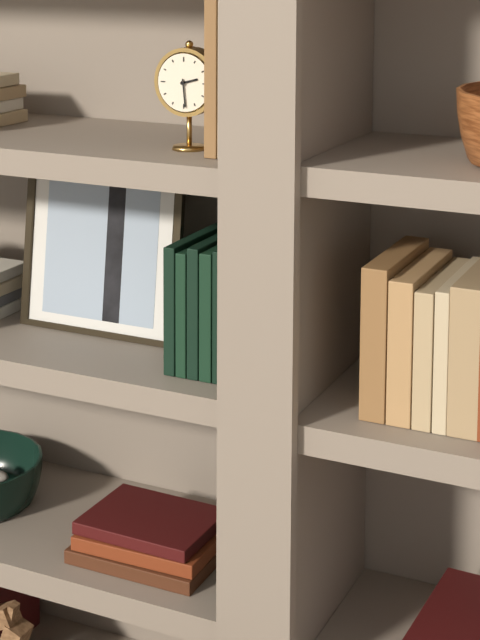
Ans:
2,29
